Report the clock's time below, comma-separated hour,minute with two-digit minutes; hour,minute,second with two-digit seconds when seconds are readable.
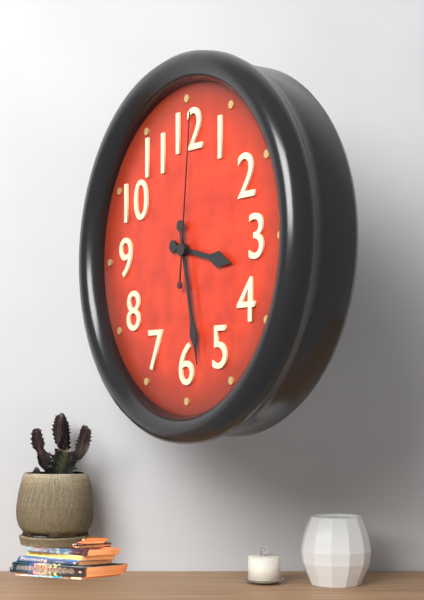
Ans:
3,28,01
